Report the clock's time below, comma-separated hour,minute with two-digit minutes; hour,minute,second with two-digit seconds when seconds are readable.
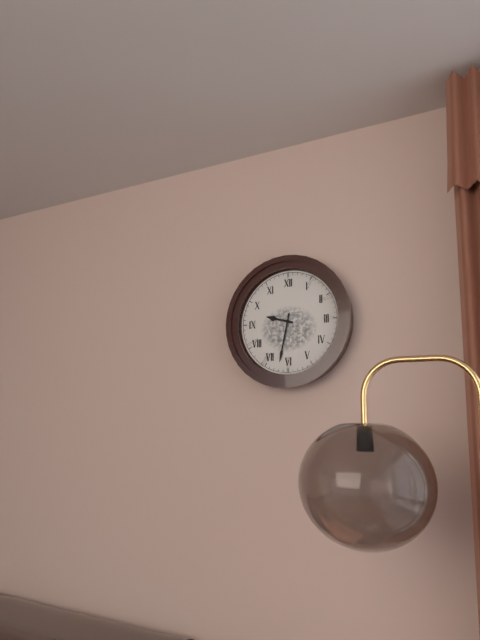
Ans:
9,32
